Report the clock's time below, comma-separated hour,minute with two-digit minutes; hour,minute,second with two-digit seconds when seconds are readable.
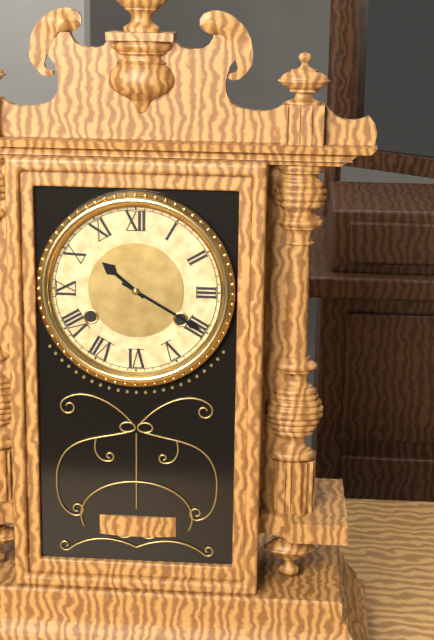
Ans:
10,20
